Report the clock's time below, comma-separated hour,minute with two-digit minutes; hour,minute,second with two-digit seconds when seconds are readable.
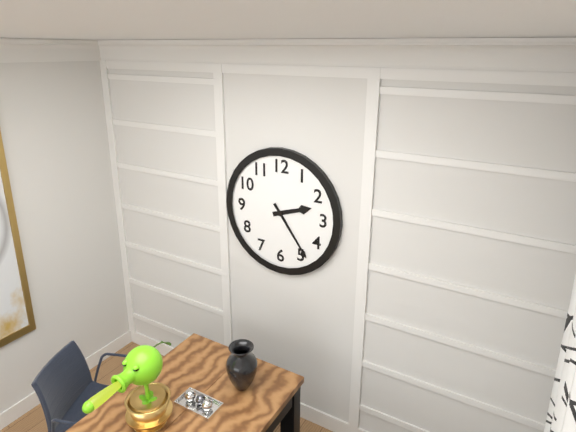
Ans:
2,24
